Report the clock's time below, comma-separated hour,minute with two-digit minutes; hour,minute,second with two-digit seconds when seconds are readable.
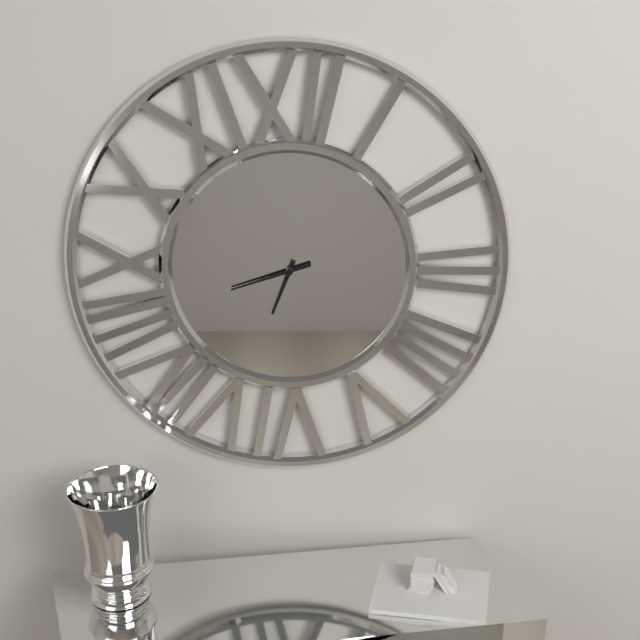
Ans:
6,42
